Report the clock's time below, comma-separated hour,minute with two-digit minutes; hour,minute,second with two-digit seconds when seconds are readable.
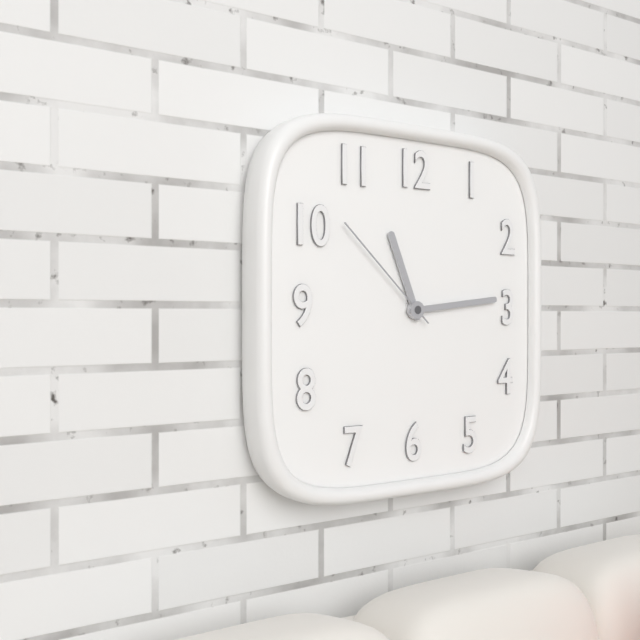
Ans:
11,14,52
